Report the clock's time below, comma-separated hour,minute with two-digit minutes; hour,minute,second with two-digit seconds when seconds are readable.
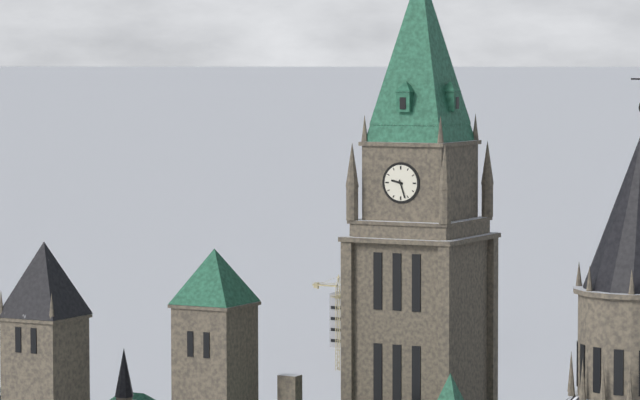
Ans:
9,27
